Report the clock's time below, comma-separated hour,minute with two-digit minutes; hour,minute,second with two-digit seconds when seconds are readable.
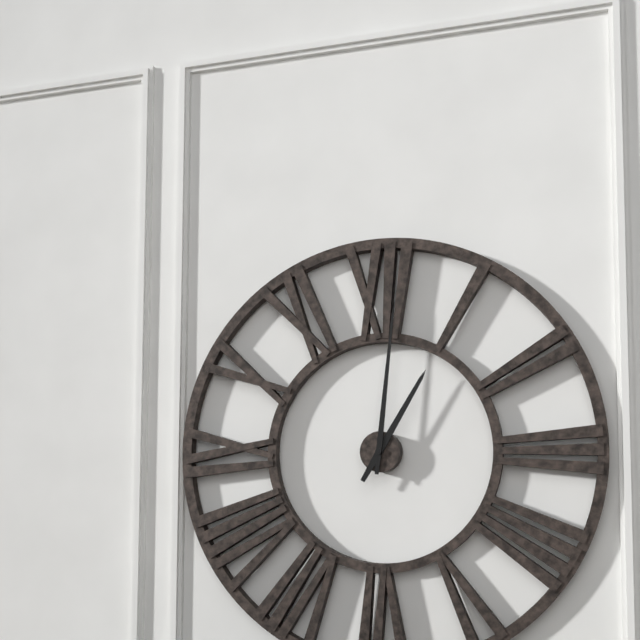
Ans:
1,01
